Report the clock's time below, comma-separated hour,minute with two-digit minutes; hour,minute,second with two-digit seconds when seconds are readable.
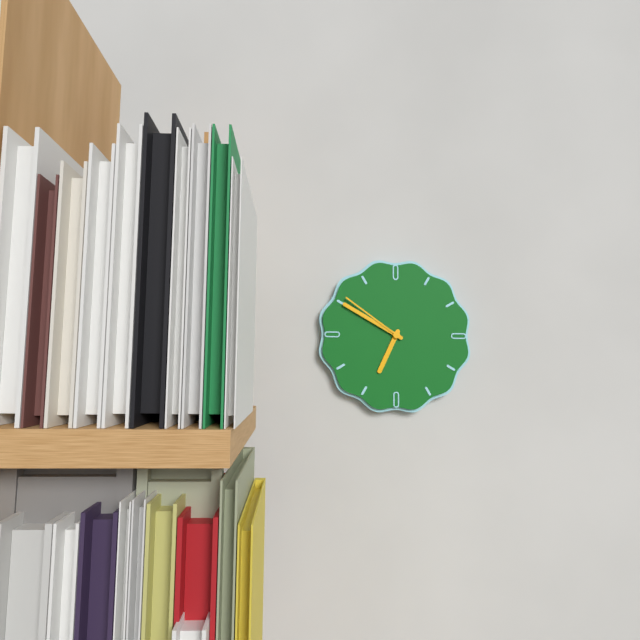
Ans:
6,50,51
